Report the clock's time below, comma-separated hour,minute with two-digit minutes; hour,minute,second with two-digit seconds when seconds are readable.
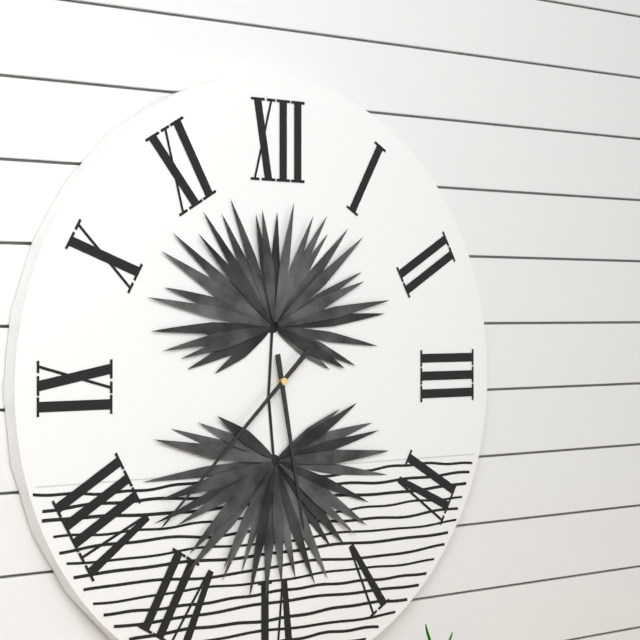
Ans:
5,38
